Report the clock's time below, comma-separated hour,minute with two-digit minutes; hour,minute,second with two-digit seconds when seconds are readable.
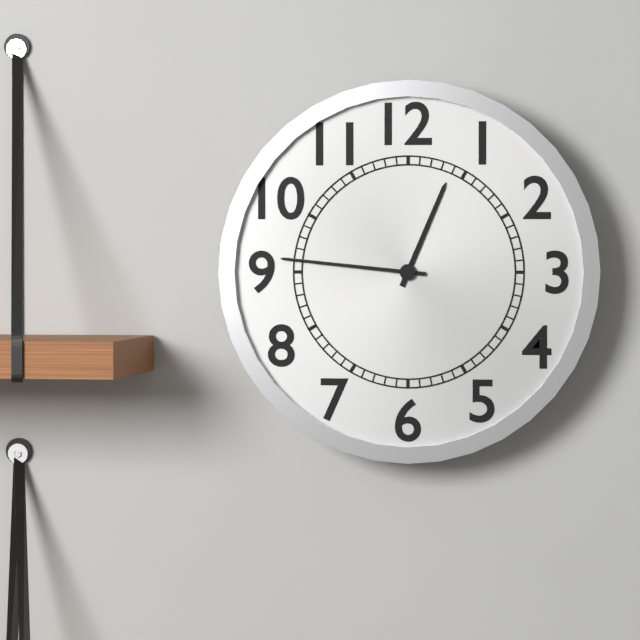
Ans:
12,46
